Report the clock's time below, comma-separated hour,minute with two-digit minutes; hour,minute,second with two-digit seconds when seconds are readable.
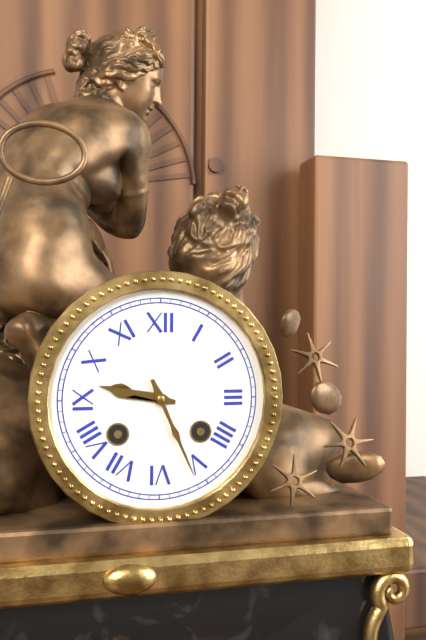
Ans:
9,26
